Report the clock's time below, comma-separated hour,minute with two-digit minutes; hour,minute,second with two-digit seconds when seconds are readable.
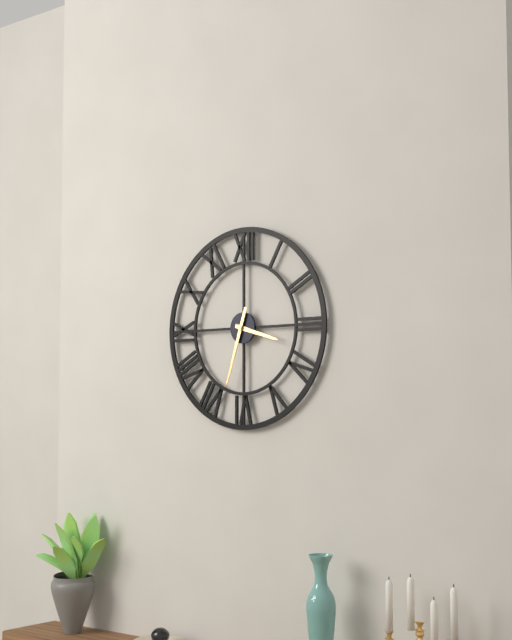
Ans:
3,33
